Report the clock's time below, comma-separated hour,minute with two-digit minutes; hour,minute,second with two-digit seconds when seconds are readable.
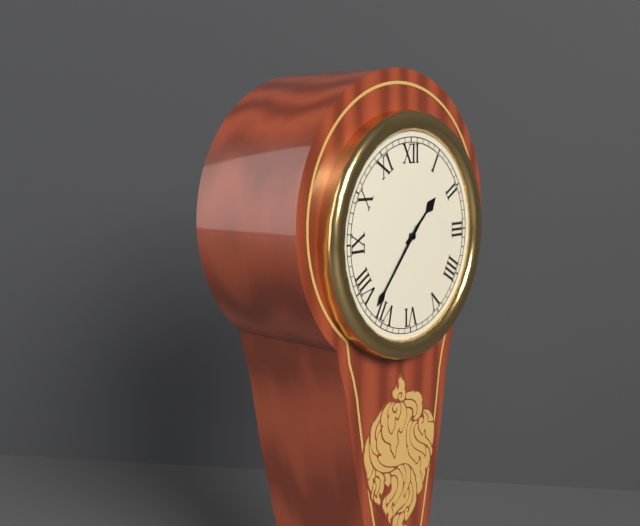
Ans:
1,37
